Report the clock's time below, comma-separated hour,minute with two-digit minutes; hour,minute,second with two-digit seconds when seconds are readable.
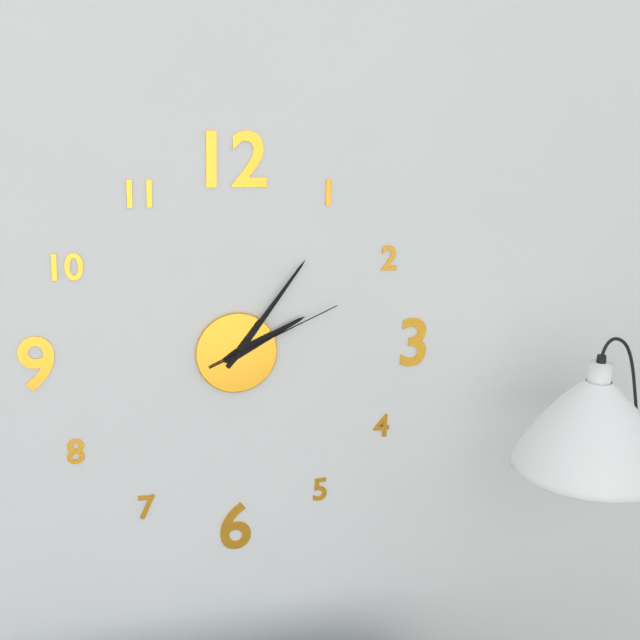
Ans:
2,06,11
